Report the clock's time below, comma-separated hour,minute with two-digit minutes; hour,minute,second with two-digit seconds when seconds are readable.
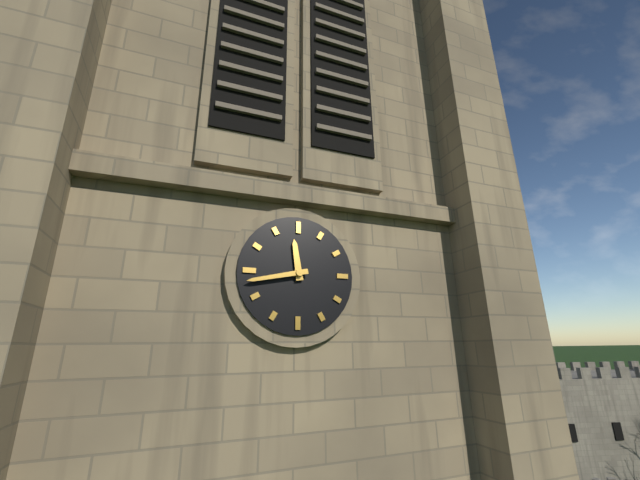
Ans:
11,43
